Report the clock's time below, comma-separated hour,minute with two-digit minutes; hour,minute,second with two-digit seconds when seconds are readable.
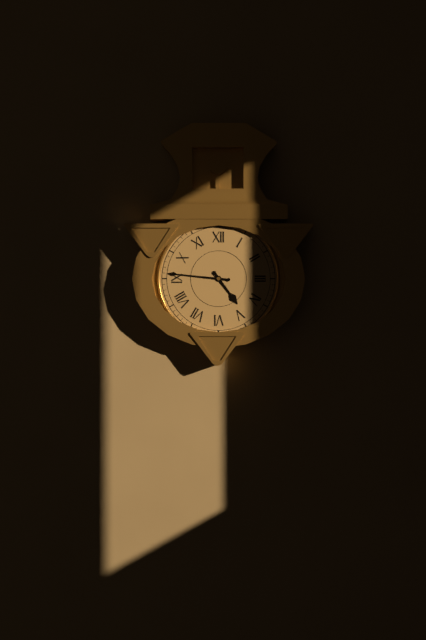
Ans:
4,46
